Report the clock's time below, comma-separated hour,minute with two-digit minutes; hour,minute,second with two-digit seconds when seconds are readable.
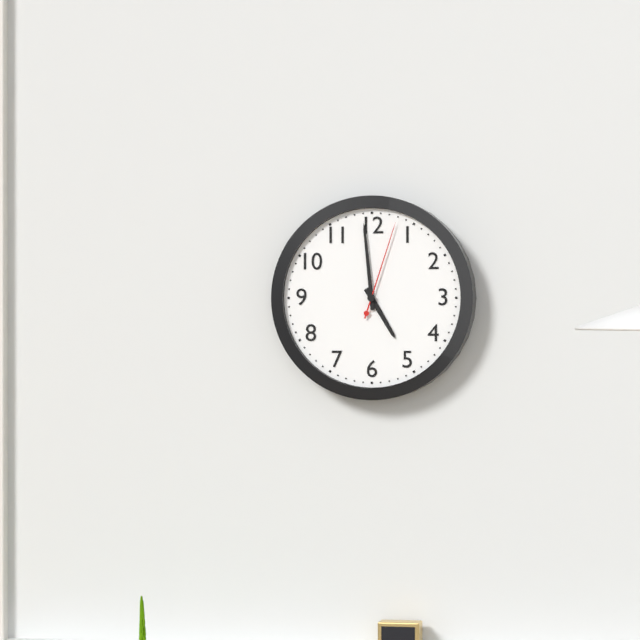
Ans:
4,59,03
